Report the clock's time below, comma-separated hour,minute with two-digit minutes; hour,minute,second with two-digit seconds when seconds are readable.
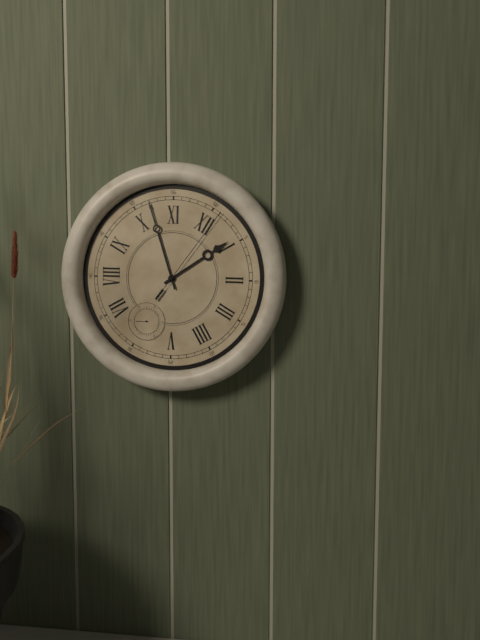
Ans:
12,52,01
